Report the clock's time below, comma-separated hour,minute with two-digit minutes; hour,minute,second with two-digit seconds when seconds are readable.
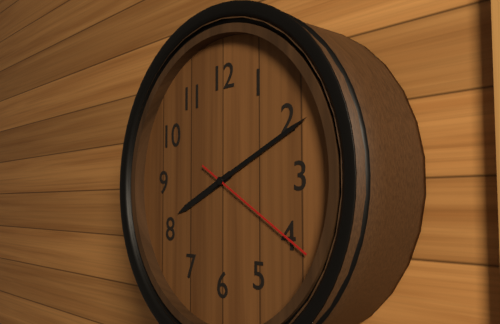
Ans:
8,11,20
